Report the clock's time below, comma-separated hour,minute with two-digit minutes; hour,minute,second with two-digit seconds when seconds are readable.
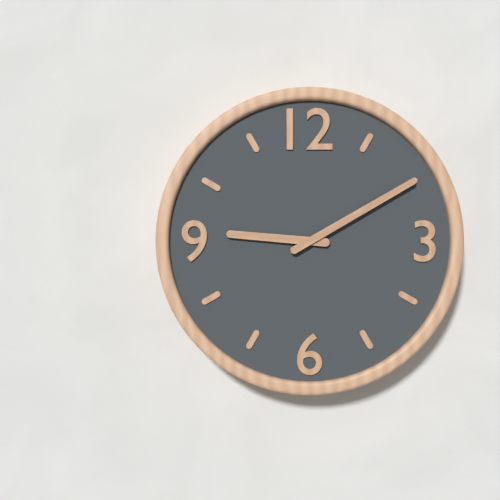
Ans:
9,10
